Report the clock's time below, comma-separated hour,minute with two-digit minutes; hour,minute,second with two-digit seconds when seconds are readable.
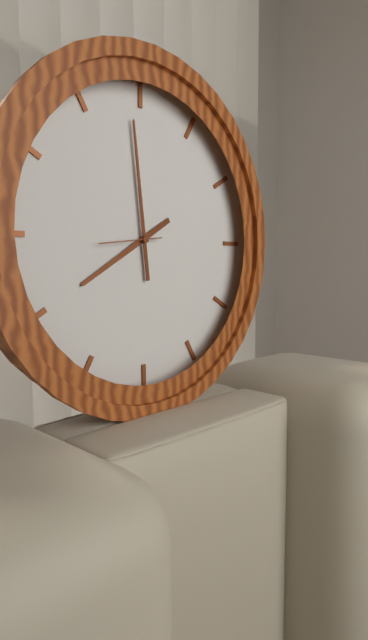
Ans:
7,59,44
